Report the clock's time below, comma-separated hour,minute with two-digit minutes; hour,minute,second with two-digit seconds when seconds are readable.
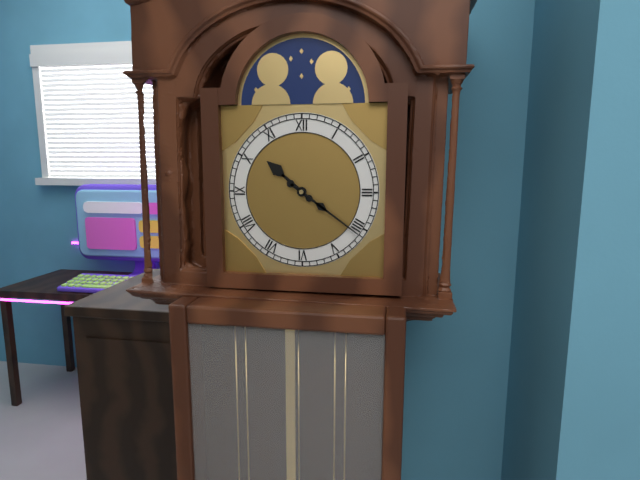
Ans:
10,21
